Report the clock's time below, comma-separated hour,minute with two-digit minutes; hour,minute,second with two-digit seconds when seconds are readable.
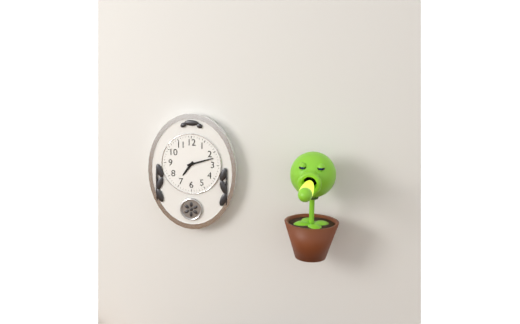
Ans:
7,12
